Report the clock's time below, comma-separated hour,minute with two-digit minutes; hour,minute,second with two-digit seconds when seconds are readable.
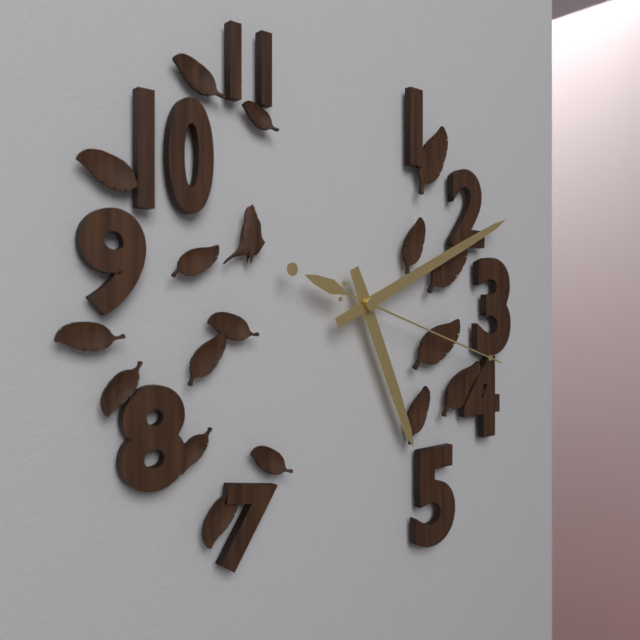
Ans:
5,11,18
